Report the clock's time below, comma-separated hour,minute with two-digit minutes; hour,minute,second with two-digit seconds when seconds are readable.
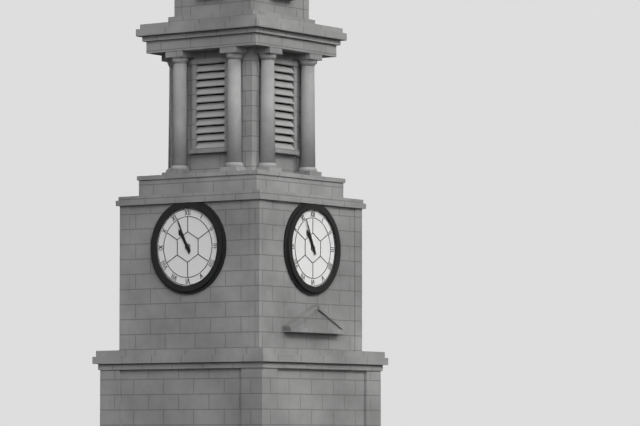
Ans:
10,56
